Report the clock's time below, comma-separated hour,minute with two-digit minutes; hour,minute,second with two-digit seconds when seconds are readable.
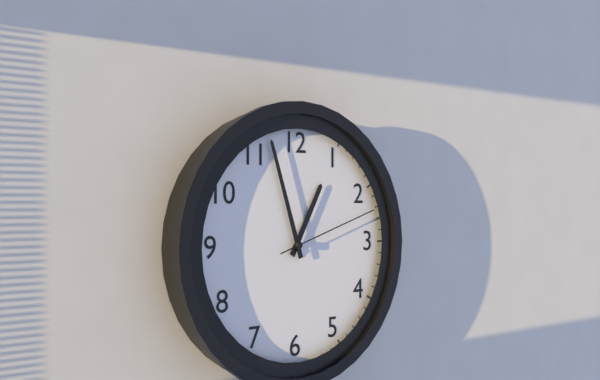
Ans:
12,57,12
